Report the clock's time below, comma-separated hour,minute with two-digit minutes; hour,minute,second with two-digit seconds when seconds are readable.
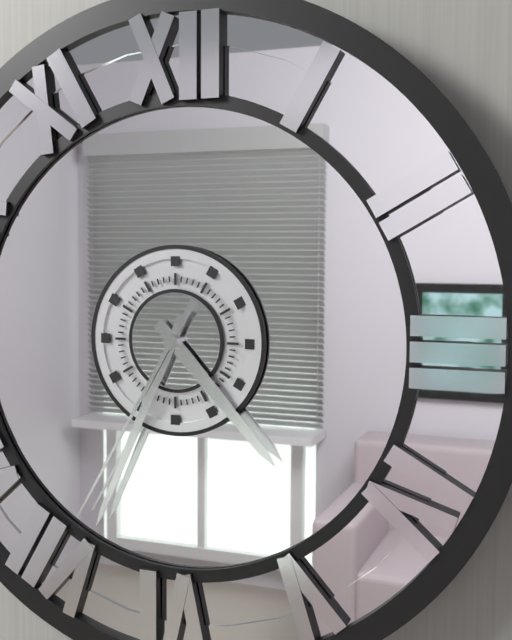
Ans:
4,34,35
